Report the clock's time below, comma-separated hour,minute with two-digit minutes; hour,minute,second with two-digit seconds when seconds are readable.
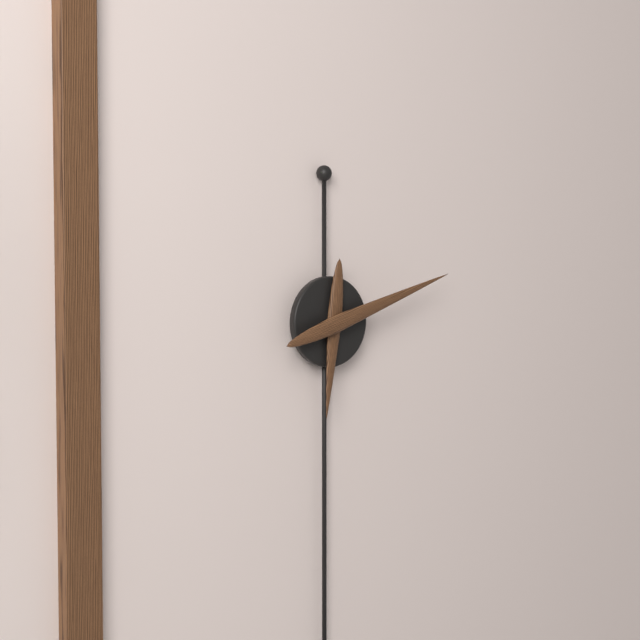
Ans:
6,12
